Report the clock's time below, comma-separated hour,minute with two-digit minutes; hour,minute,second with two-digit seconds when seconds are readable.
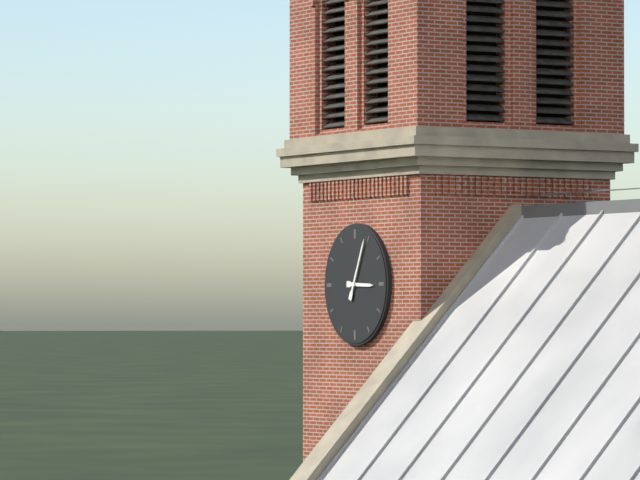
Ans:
3,04
